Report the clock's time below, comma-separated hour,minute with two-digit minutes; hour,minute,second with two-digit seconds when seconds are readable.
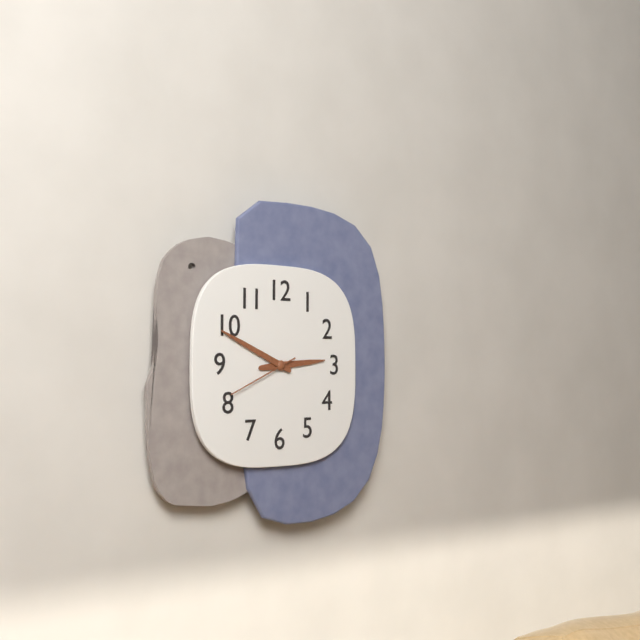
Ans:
2,49,41
